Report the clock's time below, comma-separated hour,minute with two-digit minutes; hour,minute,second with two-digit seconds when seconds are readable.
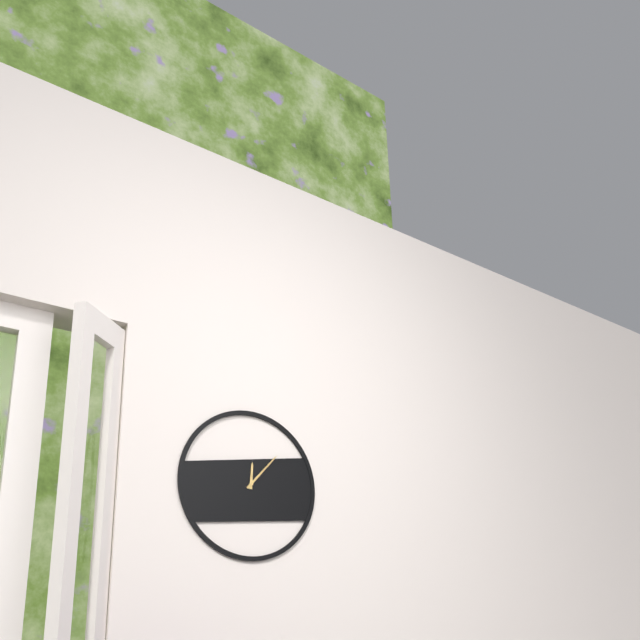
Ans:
12,07
